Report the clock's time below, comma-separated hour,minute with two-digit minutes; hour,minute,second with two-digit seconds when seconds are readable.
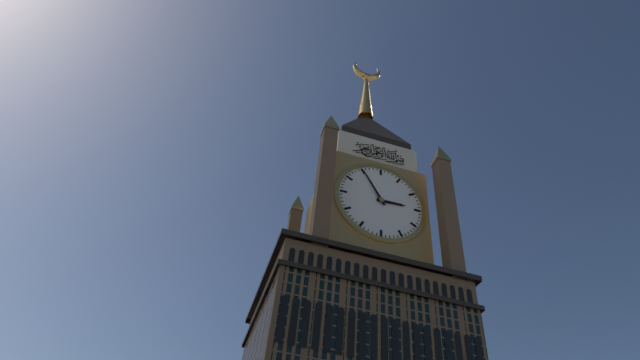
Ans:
2,55
